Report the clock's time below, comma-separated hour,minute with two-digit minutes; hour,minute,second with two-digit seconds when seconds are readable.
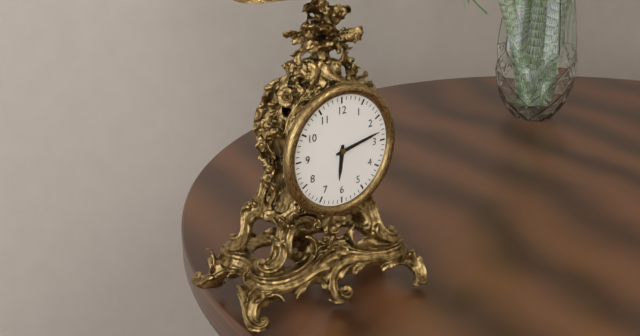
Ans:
6,13
